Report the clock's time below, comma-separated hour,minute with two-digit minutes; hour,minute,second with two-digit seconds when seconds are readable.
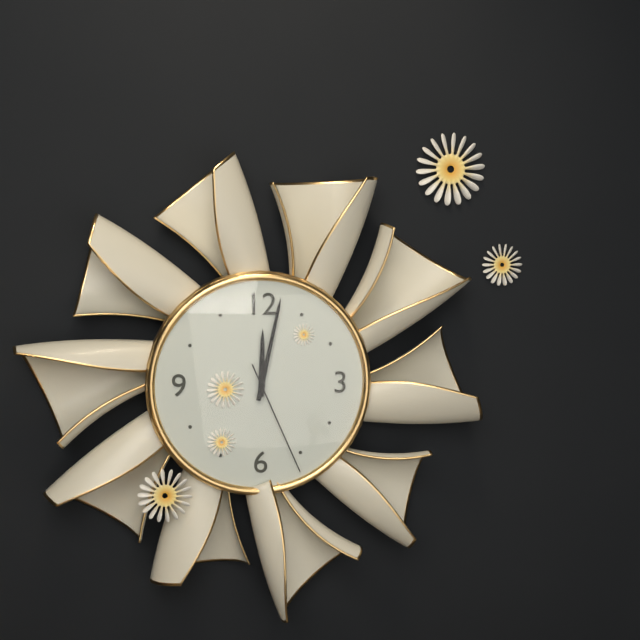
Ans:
12,02,26
